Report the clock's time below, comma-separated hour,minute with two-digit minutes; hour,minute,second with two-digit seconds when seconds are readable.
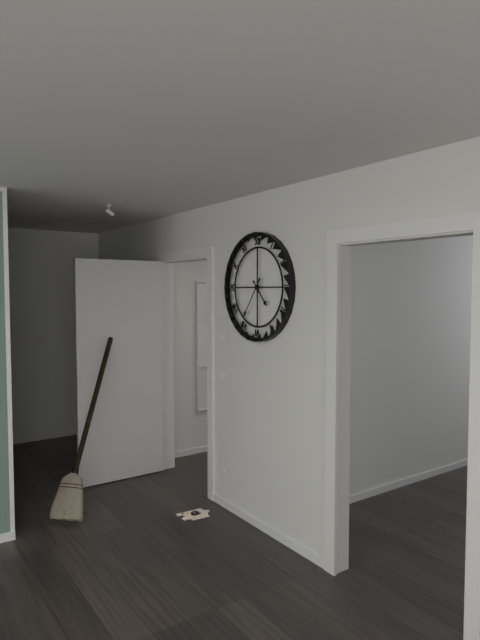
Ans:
4,36
